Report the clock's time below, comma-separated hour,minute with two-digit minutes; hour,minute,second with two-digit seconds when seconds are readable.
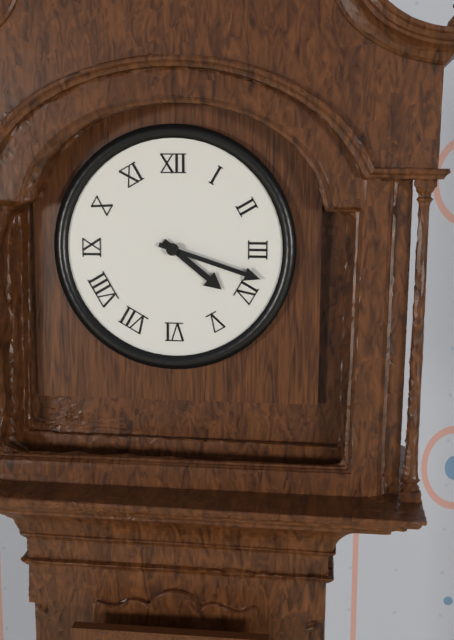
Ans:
4,18
